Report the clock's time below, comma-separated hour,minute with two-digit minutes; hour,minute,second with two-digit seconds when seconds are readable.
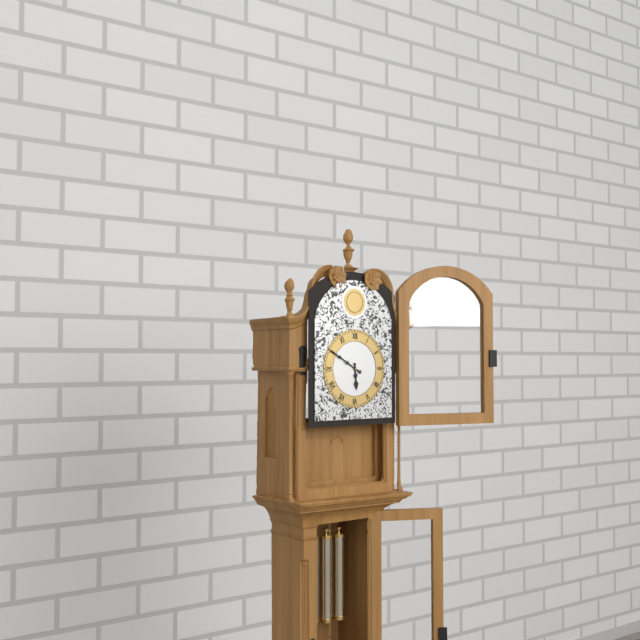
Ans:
5,50
